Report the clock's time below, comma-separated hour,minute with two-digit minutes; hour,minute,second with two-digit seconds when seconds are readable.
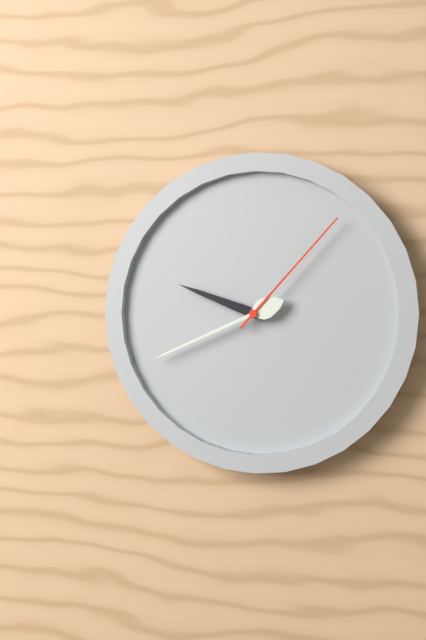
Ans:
9,41,07
